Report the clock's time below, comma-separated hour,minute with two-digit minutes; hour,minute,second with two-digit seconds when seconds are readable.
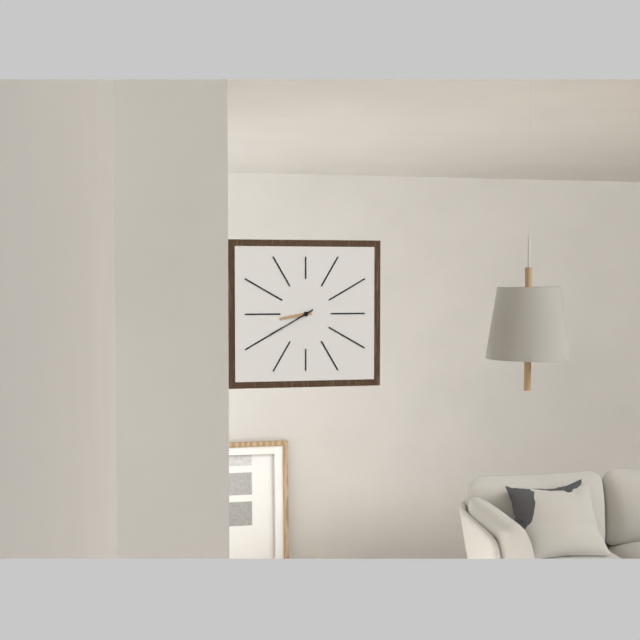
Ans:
8,40
